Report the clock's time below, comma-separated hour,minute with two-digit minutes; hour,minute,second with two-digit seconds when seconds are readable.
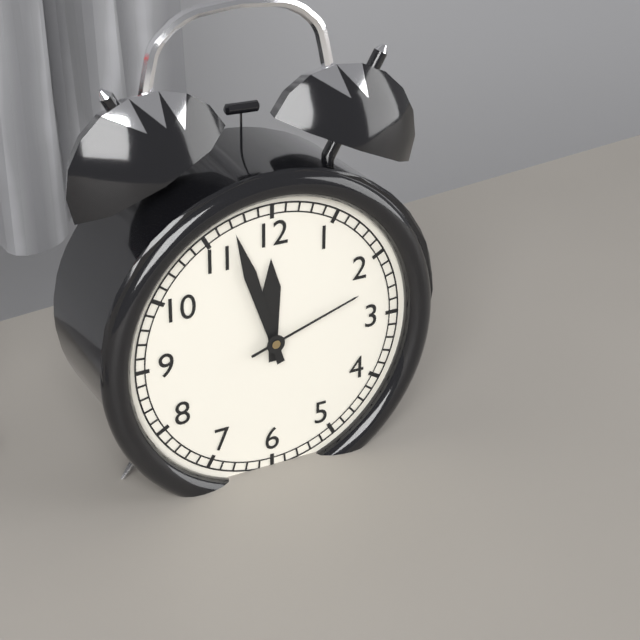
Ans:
11,57,12
